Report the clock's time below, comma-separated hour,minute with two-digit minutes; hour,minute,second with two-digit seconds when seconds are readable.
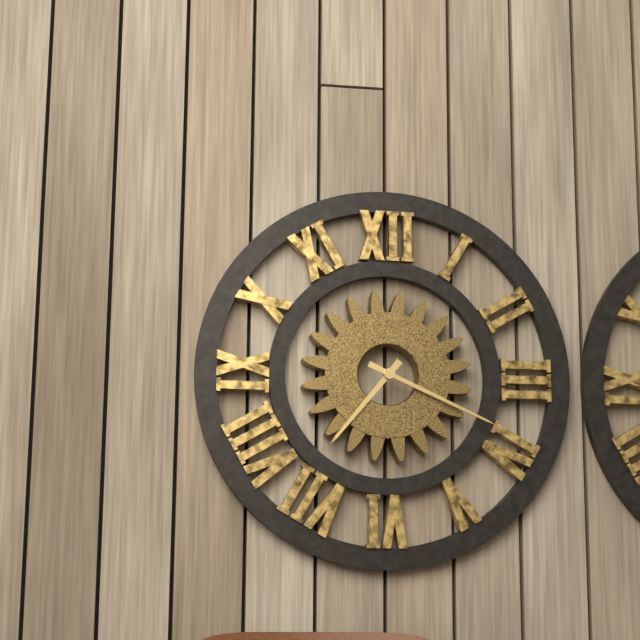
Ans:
7,19
